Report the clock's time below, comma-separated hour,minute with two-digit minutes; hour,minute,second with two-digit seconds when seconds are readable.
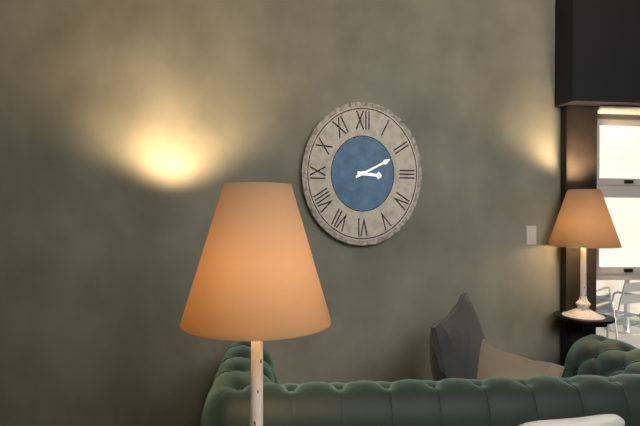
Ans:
3,11
